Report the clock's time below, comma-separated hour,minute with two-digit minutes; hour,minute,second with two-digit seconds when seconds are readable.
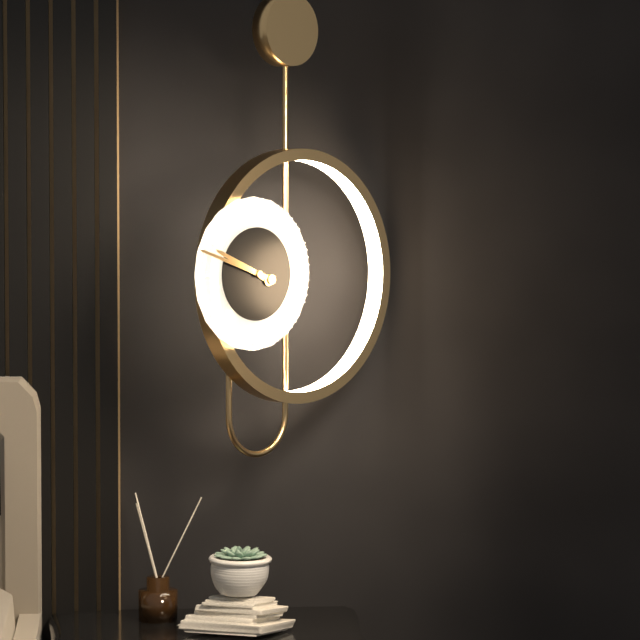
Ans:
9,48
